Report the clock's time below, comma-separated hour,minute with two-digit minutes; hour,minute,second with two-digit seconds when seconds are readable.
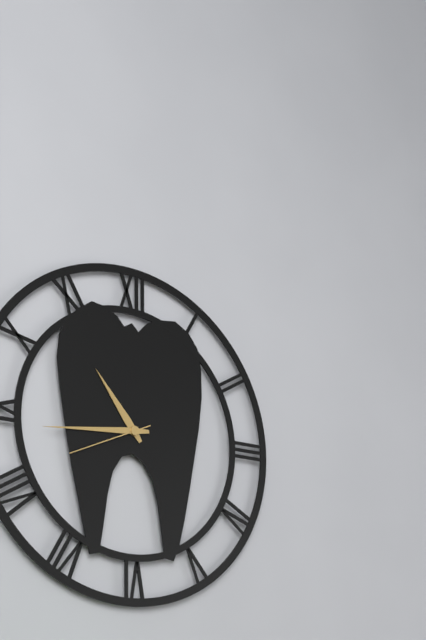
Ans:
10,44,41
